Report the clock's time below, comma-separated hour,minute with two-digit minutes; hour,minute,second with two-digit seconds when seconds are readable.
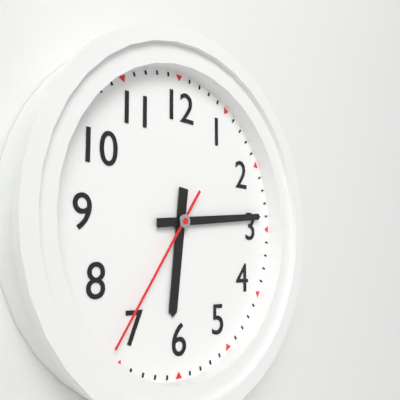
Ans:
6,14,36
